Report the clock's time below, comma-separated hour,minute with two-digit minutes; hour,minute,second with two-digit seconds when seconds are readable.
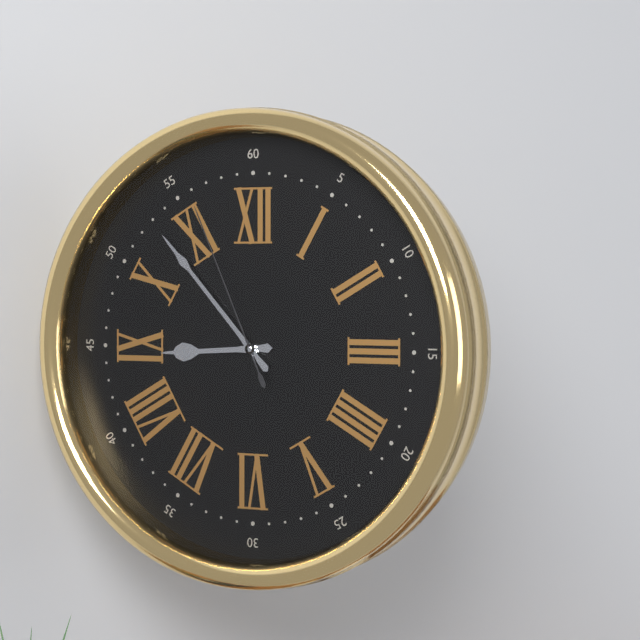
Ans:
8,53,56
